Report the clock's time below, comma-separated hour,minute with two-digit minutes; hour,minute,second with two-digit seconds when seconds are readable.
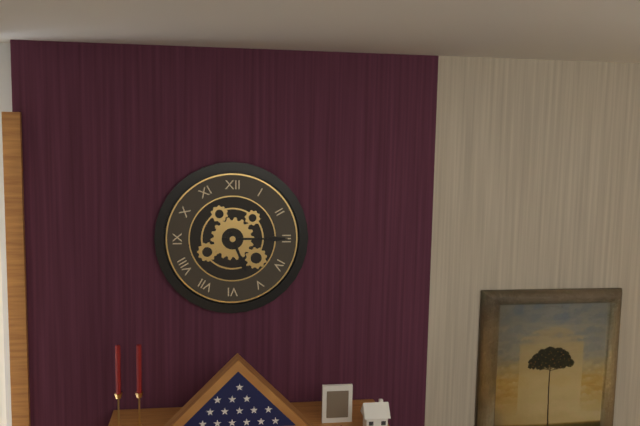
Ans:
5,15
